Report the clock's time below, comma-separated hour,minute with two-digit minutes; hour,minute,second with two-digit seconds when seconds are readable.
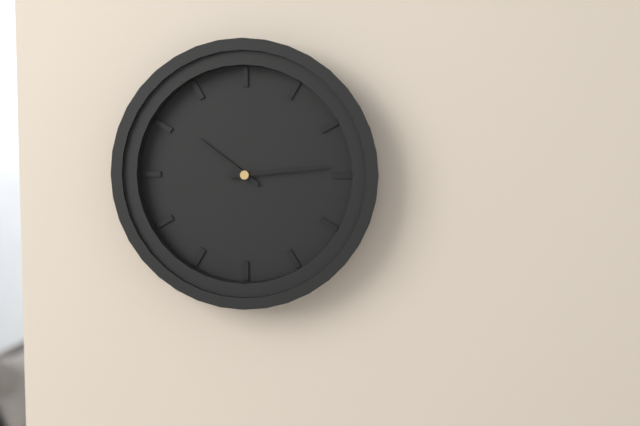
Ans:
10,14
